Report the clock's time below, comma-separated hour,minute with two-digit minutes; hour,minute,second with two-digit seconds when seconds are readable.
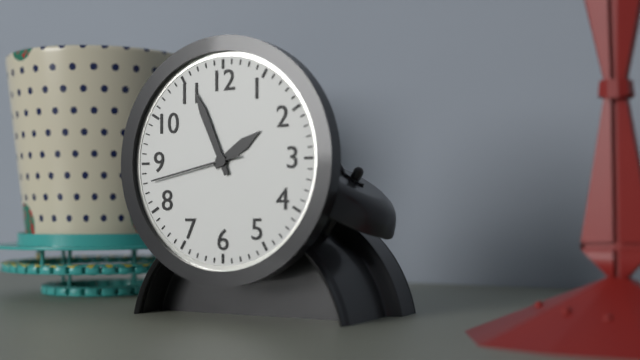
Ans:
1,56,43
